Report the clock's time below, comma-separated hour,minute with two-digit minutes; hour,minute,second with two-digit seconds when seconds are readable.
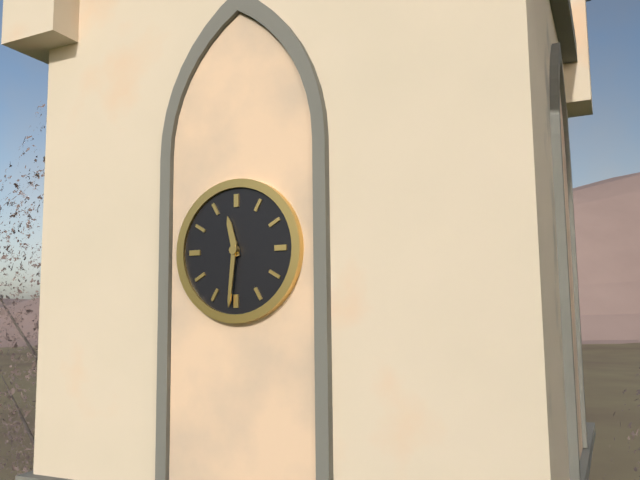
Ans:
11,31
